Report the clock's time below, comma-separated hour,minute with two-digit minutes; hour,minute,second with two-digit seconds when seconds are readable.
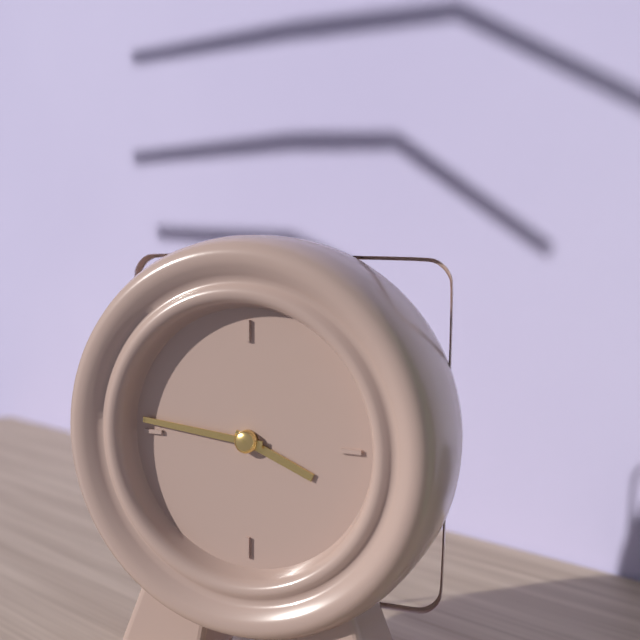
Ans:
3,46
